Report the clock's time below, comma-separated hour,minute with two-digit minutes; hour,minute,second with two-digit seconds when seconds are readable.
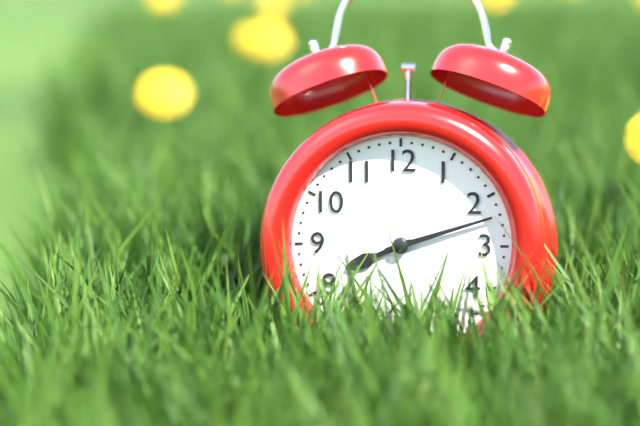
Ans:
8,12
